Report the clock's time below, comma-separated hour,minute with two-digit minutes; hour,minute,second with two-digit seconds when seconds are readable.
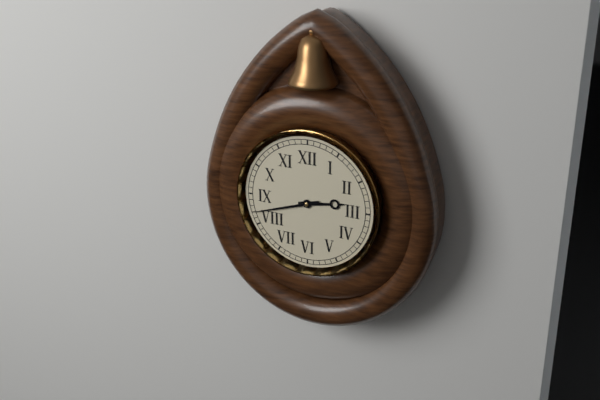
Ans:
2,42
